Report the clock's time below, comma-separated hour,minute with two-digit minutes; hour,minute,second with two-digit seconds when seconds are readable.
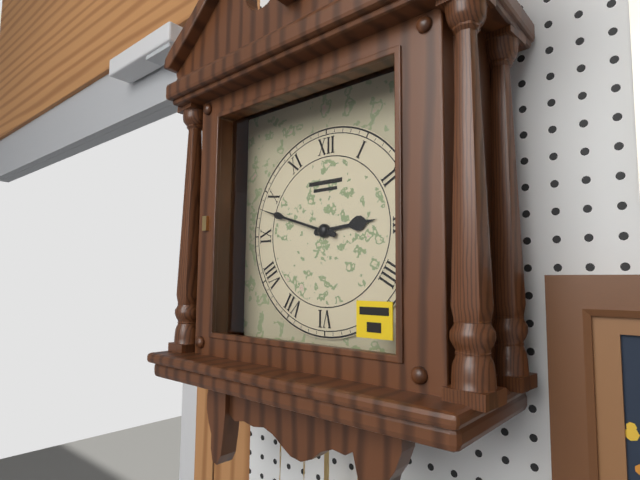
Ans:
2,48
